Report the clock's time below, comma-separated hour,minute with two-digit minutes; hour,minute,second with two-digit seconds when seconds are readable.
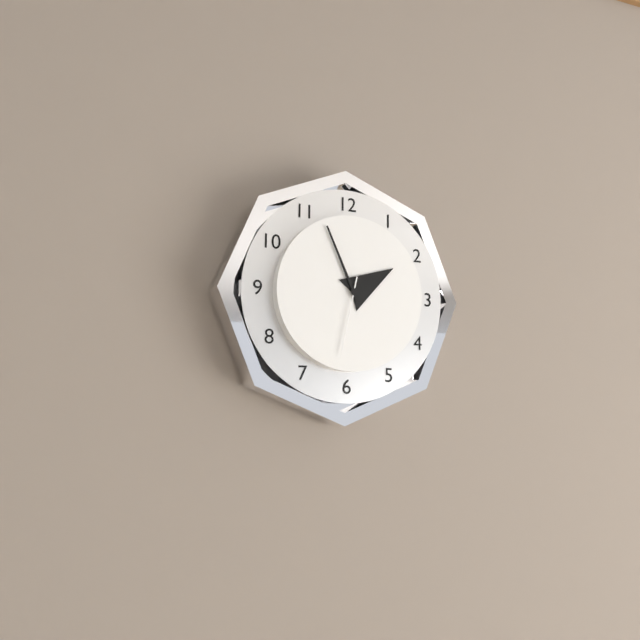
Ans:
1,56,32
